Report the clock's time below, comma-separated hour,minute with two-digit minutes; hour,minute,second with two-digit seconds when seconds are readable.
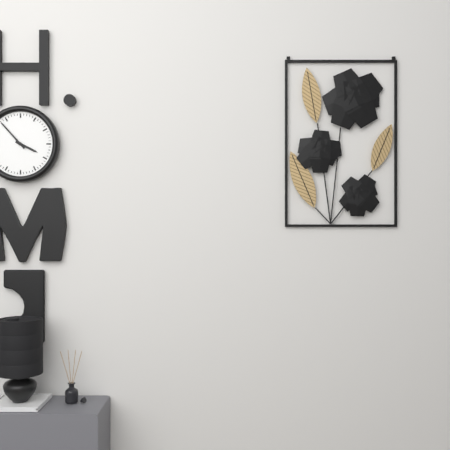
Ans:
3,53
